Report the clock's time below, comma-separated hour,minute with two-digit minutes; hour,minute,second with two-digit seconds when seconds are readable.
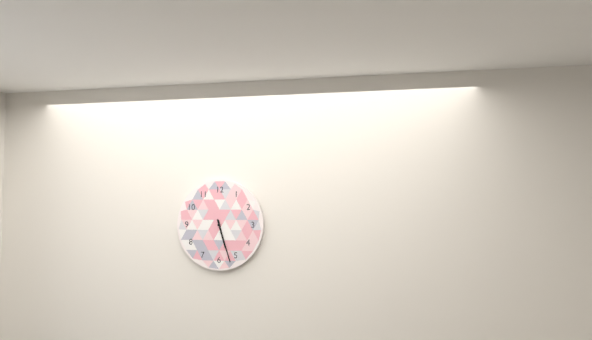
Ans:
5,27
